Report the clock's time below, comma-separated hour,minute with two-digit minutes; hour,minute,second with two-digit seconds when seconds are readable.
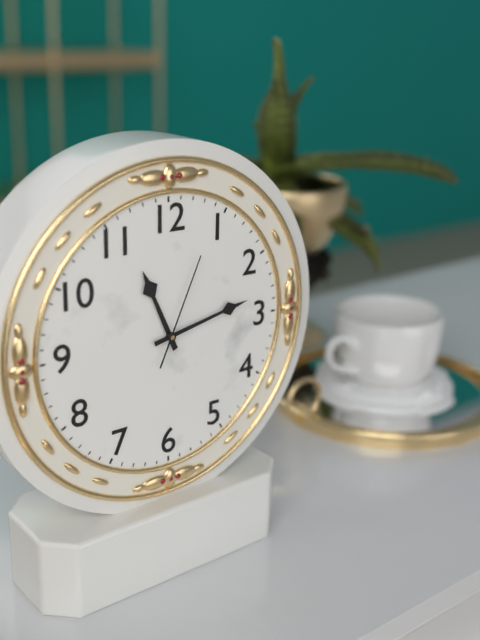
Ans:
11,13,04
